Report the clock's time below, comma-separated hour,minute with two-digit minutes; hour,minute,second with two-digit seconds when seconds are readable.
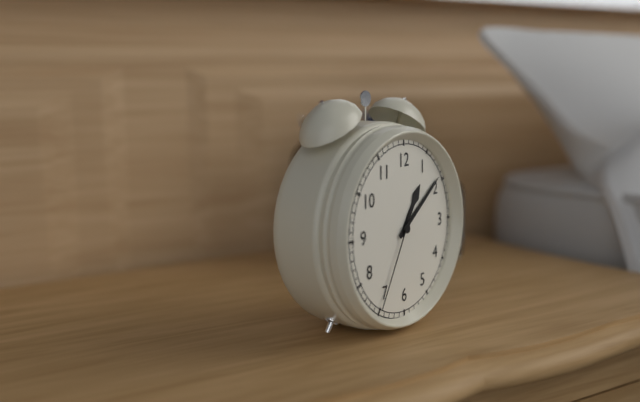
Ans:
1,09,35
